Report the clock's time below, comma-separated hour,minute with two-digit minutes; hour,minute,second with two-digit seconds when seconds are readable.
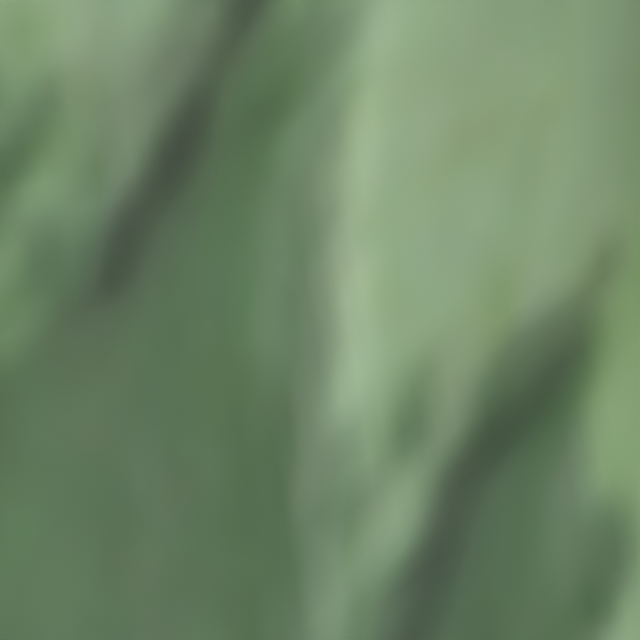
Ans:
4,36,45
